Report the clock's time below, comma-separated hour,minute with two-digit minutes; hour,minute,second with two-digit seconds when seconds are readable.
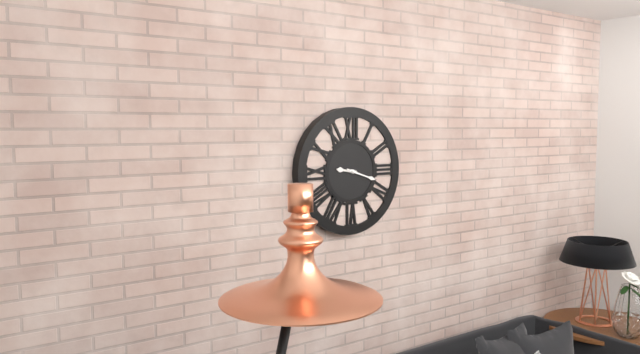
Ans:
9,18
